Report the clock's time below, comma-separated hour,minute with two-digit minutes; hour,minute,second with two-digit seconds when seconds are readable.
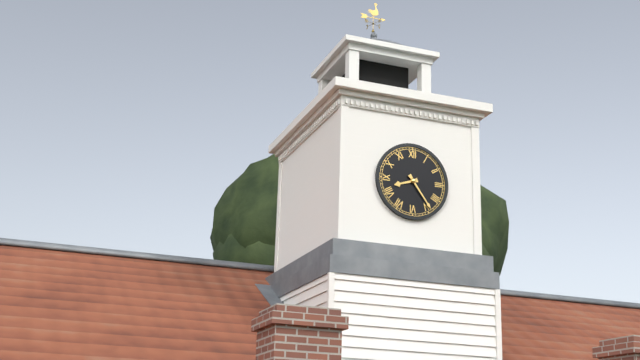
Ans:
8,24
